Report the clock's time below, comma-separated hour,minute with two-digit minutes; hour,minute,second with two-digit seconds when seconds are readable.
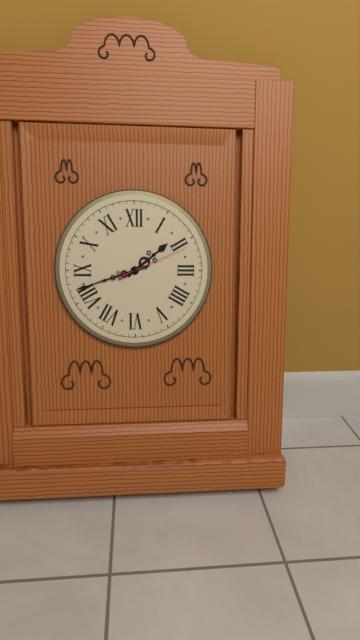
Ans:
1,42,11
